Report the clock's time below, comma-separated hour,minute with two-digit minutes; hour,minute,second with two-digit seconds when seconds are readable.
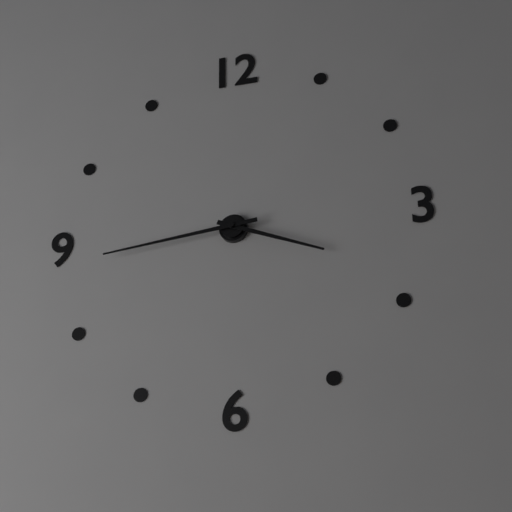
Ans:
3,44
